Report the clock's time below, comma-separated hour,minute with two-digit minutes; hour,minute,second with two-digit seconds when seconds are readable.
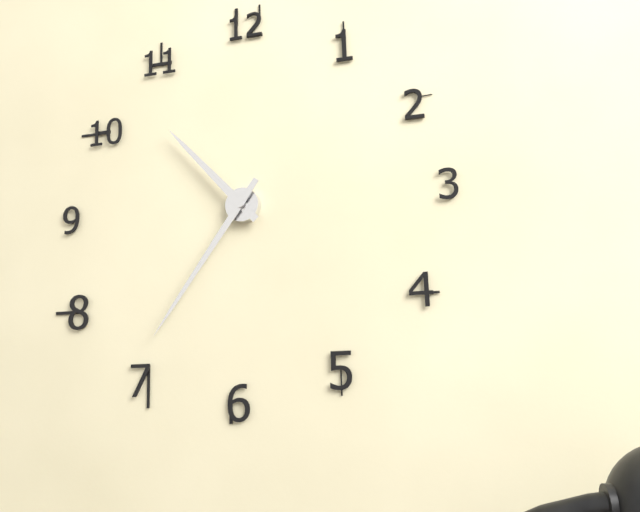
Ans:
10,36
